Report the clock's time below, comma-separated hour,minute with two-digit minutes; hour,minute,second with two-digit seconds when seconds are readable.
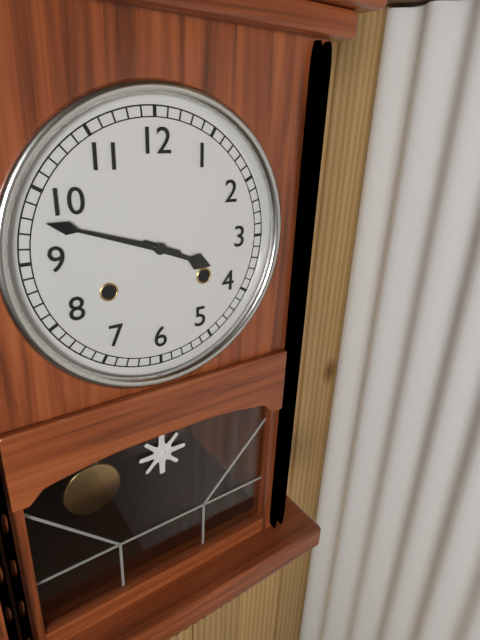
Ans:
3,48
